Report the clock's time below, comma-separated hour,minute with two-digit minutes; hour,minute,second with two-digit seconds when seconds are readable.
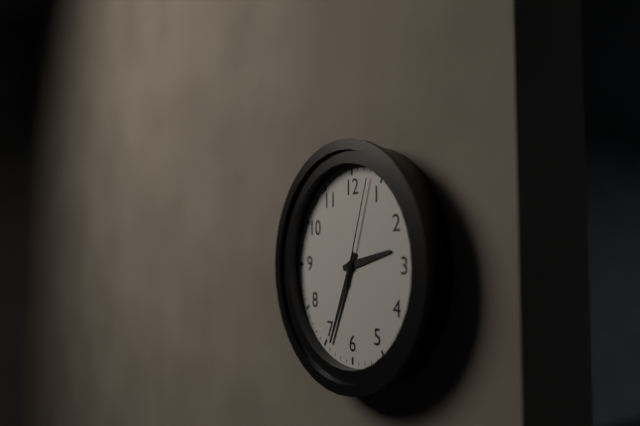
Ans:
2,34,03
